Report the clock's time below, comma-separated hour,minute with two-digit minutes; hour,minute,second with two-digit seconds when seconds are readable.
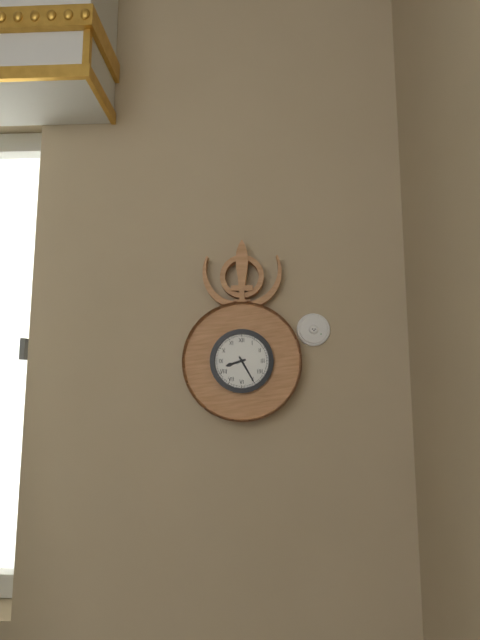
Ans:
8,25
